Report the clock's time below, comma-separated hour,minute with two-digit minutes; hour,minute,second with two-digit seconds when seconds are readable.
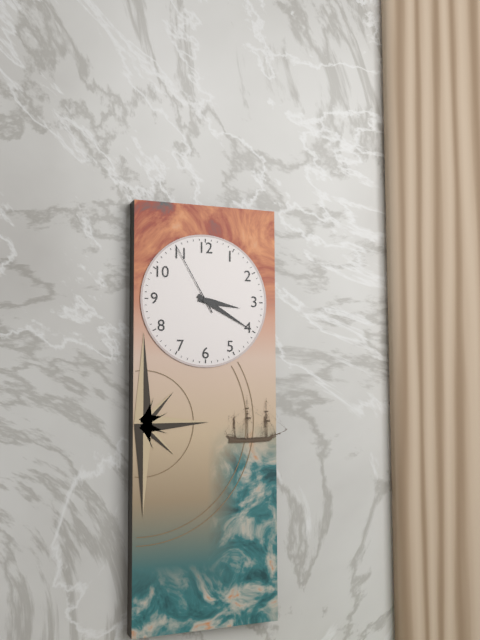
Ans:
3,20,55
